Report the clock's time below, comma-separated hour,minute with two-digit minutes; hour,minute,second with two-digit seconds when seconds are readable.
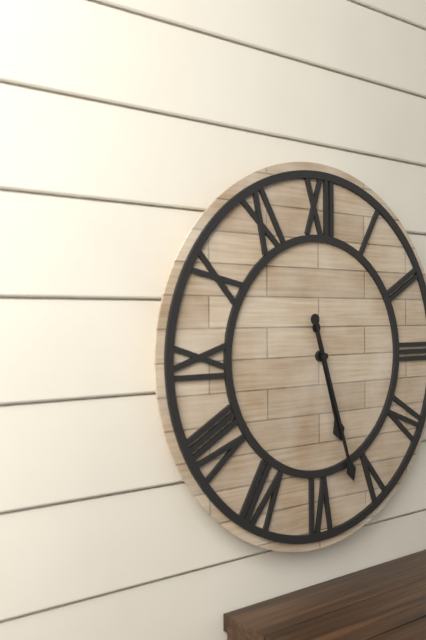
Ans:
5,27
